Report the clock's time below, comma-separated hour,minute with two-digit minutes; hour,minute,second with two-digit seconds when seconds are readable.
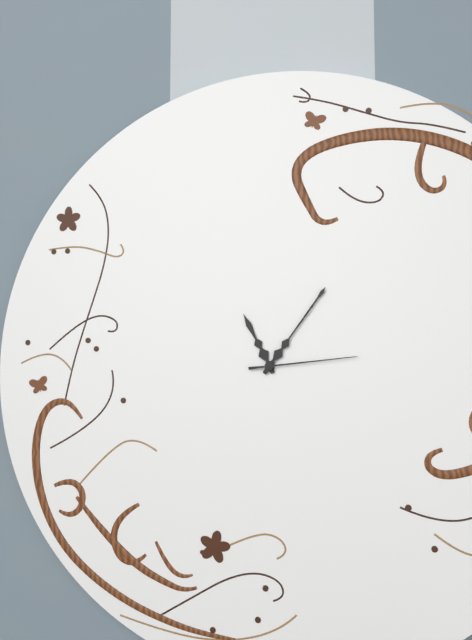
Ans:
11,06,14
